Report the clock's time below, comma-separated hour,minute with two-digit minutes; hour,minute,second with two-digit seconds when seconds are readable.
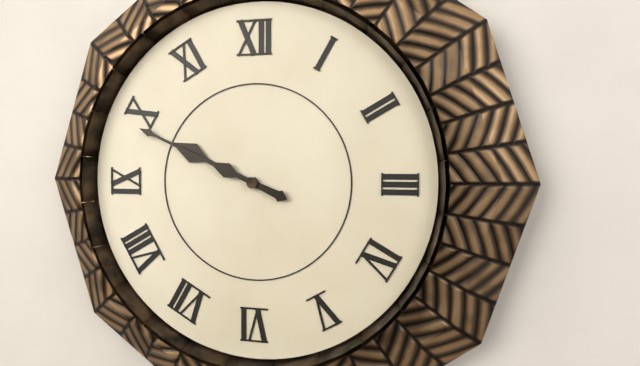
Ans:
9,49
